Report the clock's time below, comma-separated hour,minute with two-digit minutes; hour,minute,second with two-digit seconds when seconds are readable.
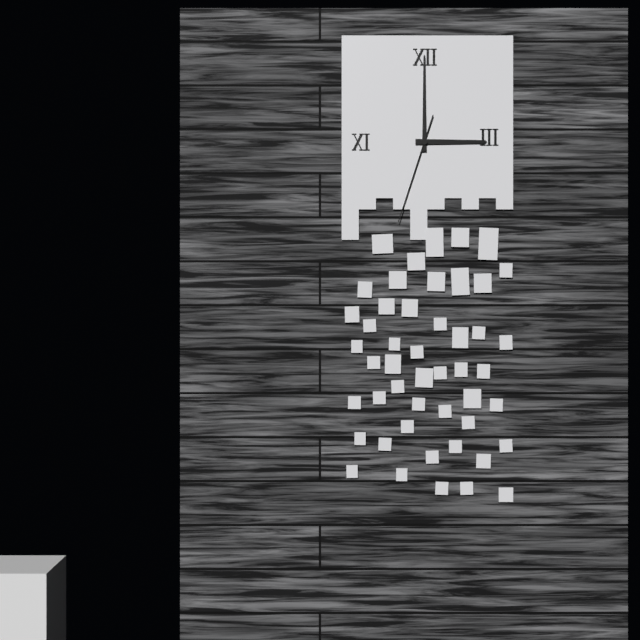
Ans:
3,00,33
